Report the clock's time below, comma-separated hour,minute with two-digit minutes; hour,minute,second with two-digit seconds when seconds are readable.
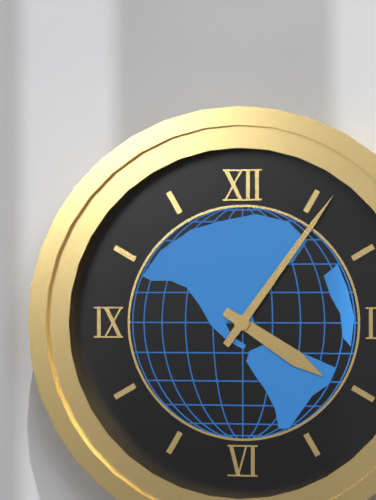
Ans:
4,06
